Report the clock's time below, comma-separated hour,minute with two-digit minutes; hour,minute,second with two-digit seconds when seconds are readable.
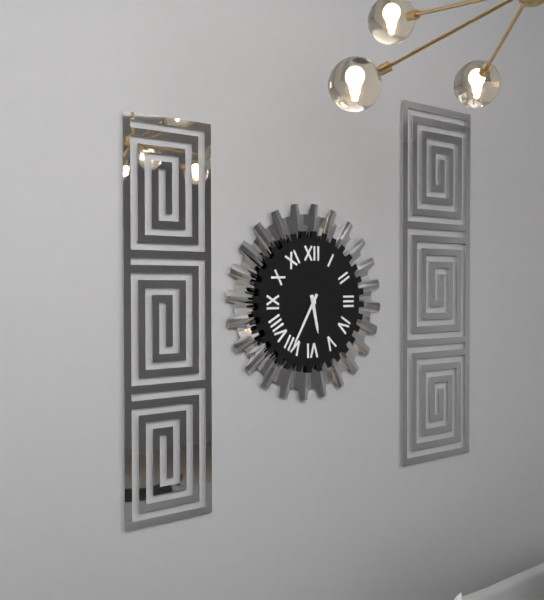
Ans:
5,35
